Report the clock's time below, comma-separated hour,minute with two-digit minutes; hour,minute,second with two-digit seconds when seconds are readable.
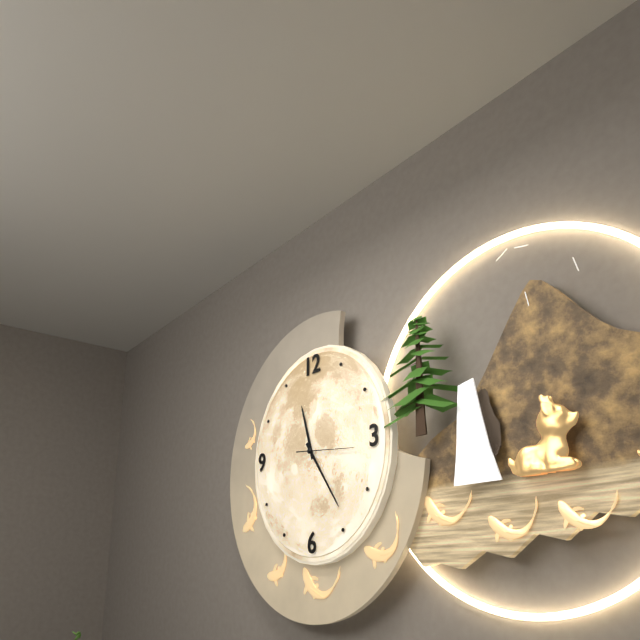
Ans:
11,24,16
